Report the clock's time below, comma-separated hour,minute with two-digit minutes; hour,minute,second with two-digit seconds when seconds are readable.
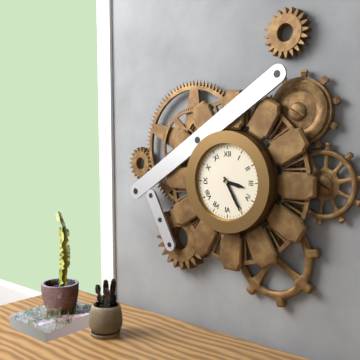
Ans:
3,25
